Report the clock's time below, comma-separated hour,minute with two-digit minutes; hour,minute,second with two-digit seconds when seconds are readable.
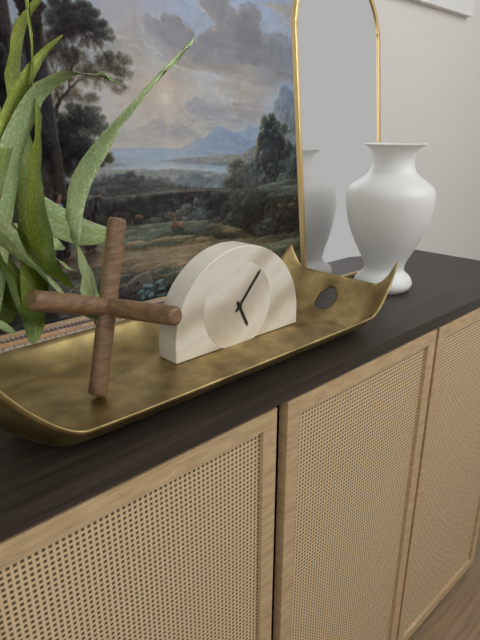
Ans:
5,07
